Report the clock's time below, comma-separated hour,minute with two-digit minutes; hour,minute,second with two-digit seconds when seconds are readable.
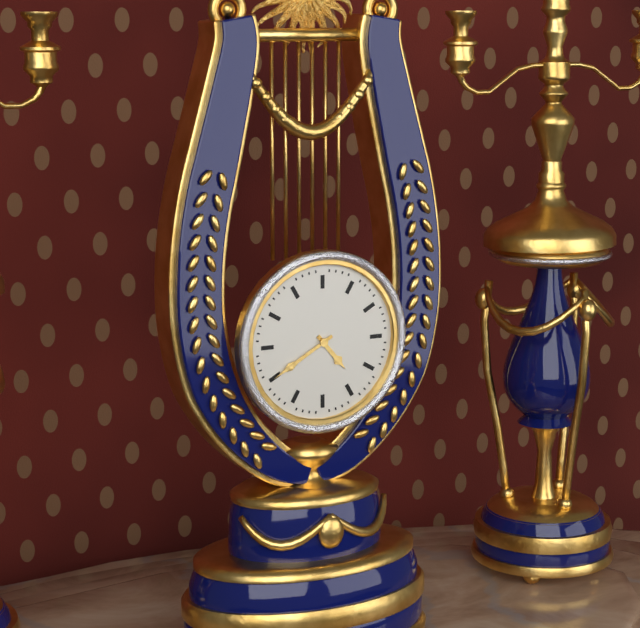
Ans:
4,40
